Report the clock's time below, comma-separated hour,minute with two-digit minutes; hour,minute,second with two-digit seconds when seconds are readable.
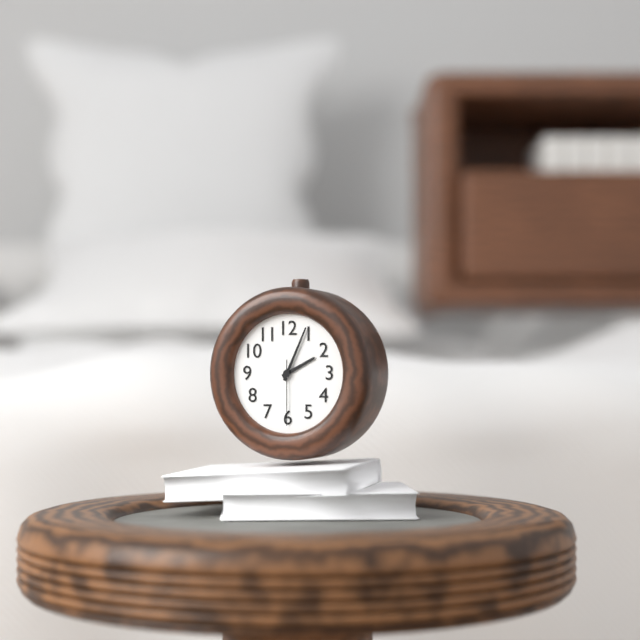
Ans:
2,04,30
